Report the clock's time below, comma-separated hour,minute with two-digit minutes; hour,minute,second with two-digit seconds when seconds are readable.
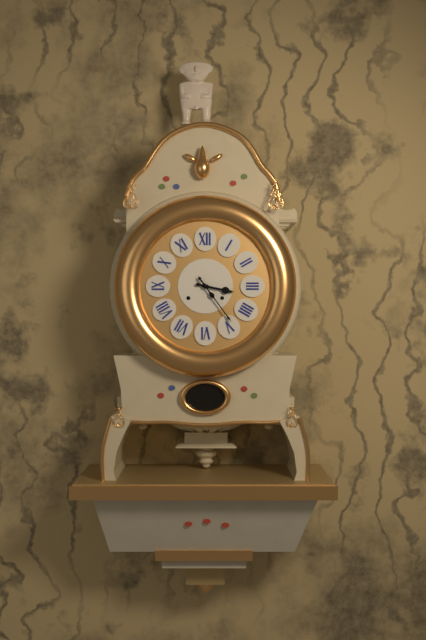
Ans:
3,24
